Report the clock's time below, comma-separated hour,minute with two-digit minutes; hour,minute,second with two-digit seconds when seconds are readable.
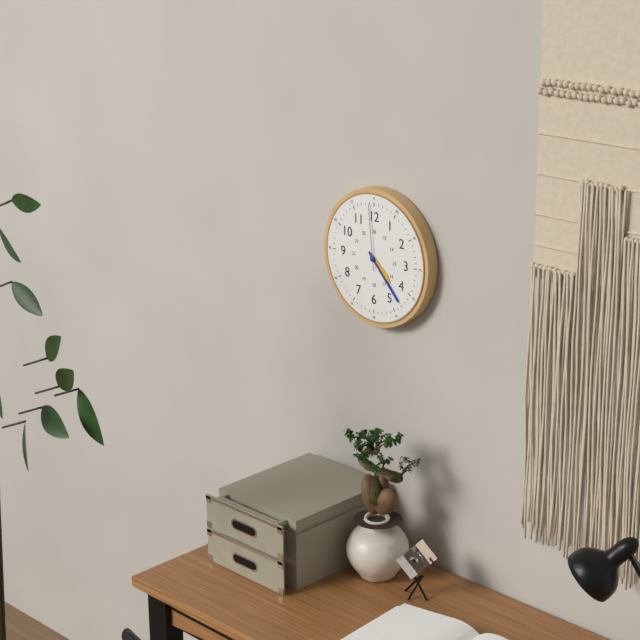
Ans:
4,23,59
